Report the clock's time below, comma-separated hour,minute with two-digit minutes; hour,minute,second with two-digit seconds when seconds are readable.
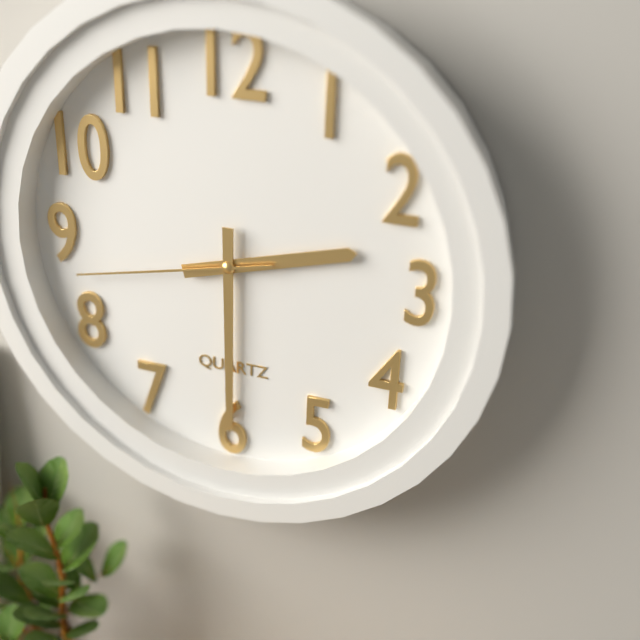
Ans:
2,30,43
